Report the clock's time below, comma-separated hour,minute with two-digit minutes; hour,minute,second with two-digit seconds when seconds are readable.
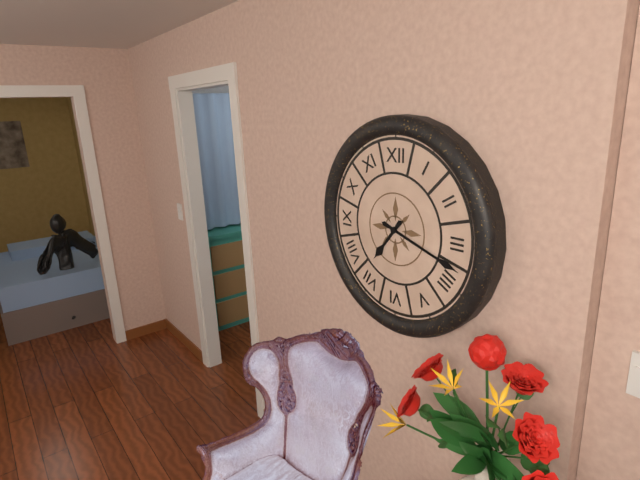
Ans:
7,18
